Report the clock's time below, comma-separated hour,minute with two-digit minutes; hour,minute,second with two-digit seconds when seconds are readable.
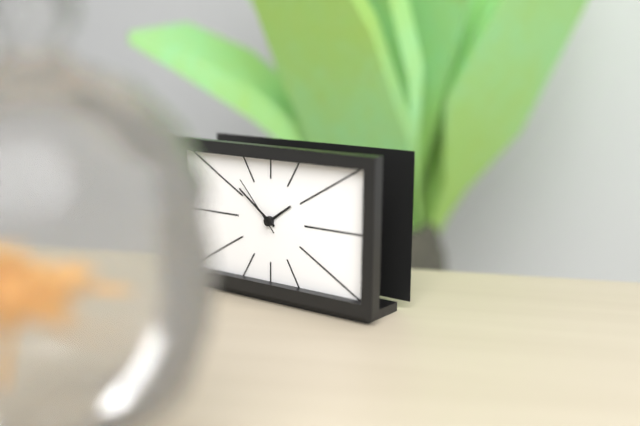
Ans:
1,51,53
